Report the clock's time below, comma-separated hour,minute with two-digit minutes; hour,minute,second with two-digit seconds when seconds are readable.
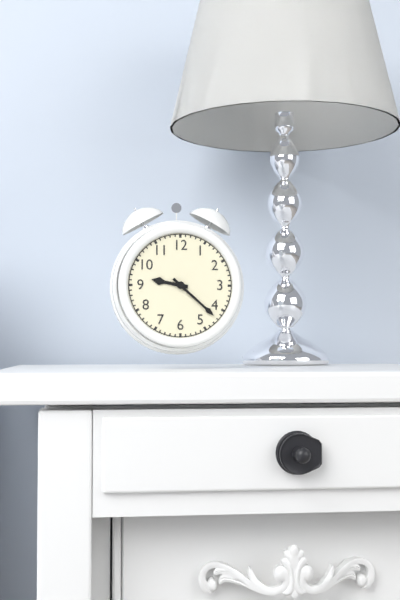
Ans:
9,22
